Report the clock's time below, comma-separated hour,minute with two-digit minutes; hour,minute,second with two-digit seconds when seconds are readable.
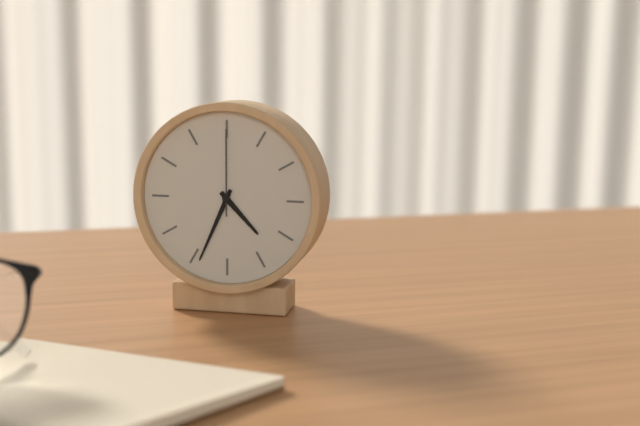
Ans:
4,34,00
